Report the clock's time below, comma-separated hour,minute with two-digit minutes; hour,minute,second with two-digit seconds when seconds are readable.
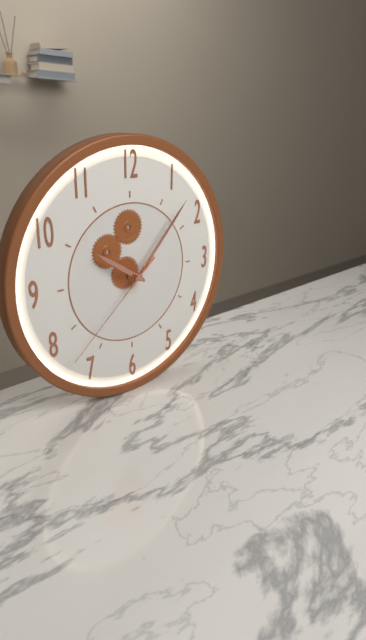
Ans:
10,07,38
